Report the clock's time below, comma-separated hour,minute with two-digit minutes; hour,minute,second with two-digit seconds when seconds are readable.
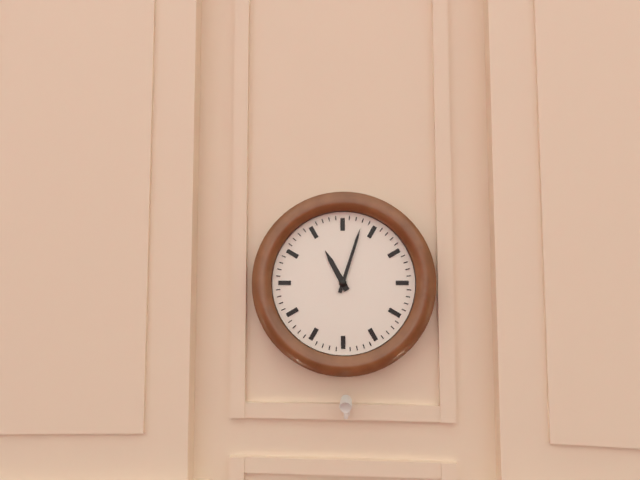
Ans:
11,03
